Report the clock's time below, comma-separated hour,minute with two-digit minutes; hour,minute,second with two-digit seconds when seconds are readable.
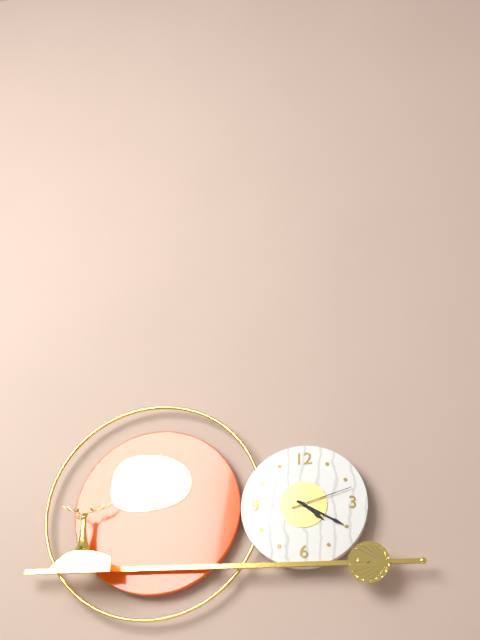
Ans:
4,20,12
